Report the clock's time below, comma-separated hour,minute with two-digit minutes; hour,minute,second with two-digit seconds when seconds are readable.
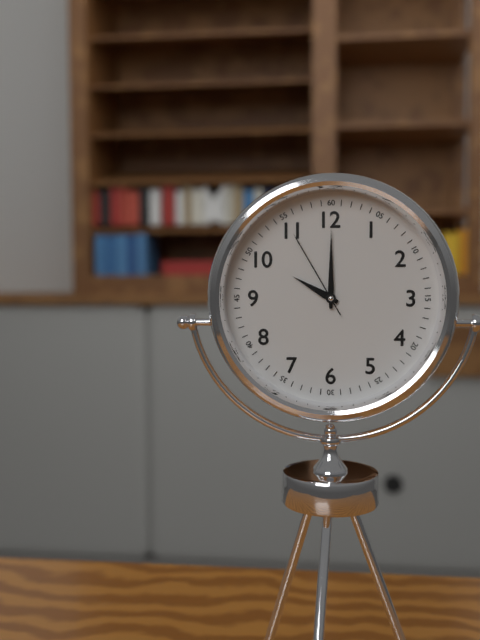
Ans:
10,00,55
